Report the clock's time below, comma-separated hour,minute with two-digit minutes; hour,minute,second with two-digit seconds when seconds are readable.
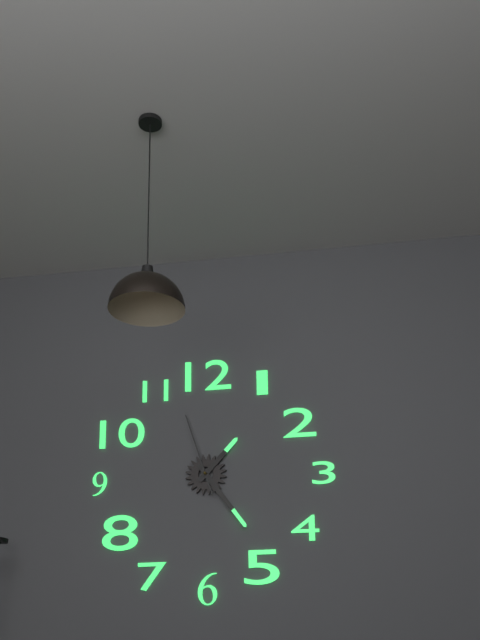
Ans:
1,24,57
